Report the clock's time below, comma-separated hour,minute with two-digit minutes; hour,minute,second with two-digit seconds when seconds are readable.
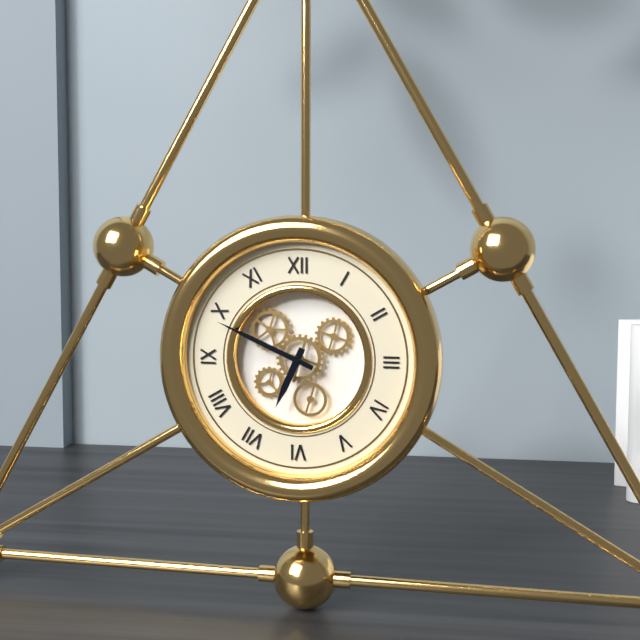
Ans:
6,49
